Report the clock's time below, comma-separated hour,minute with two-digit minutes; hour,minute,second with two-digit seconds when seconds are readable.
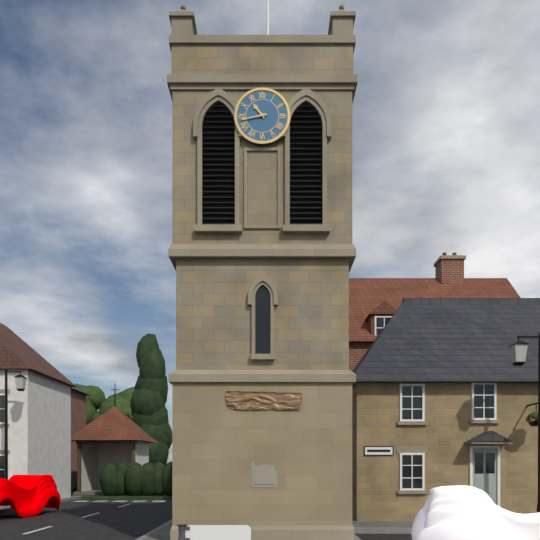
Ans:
10,43
